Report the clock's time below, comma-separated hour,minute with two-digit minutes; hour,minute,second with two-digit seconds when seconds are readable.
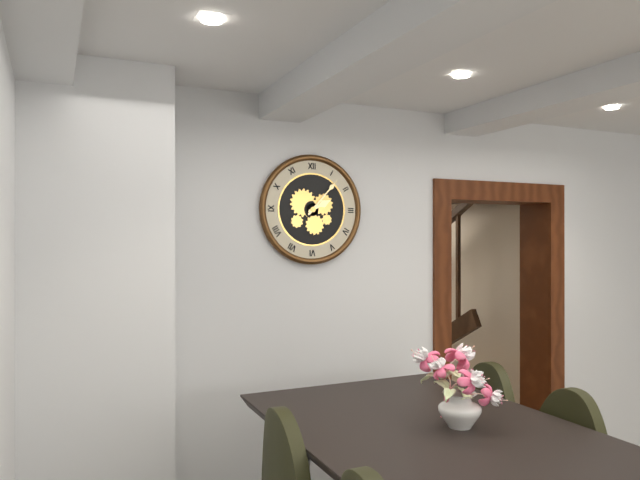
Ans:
2,07
